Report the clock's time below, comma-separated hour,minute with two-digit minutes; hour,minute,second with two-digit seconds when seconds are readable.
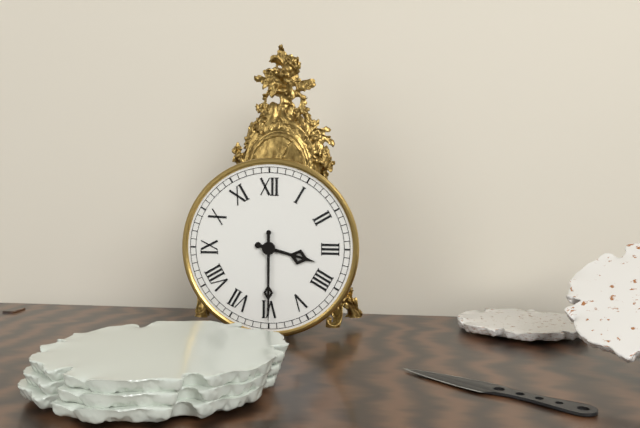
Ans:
3,30
